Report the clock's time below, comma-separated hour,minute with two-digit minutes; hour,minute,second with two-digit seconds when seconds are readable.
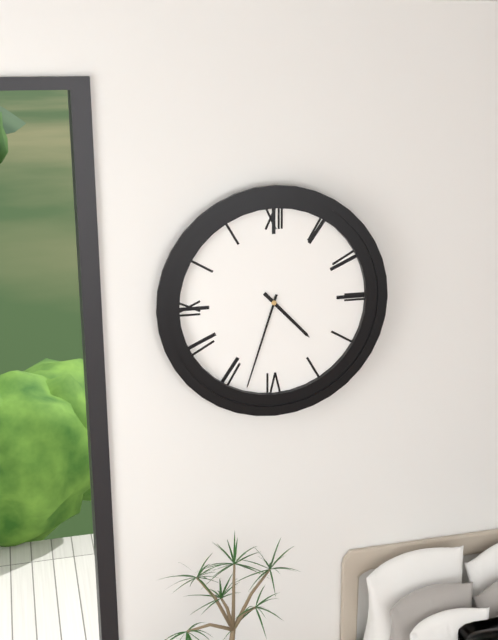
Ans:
4,33
